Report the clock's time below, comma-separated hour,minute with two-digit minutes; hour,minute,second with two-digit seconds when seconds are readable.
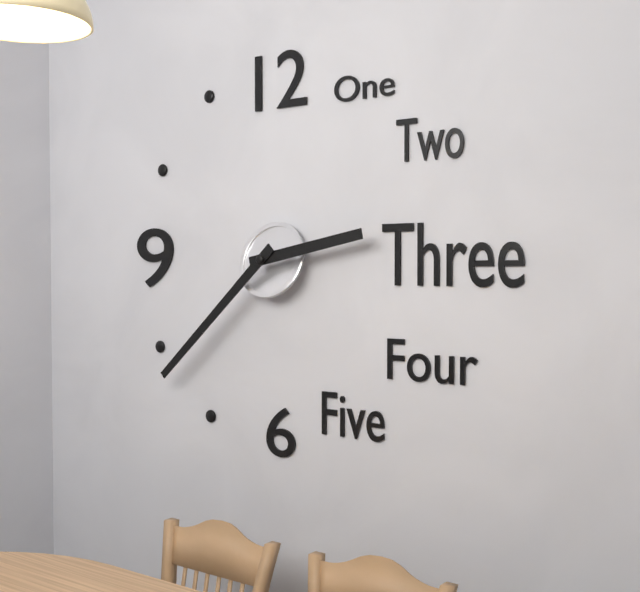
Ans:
2,38
